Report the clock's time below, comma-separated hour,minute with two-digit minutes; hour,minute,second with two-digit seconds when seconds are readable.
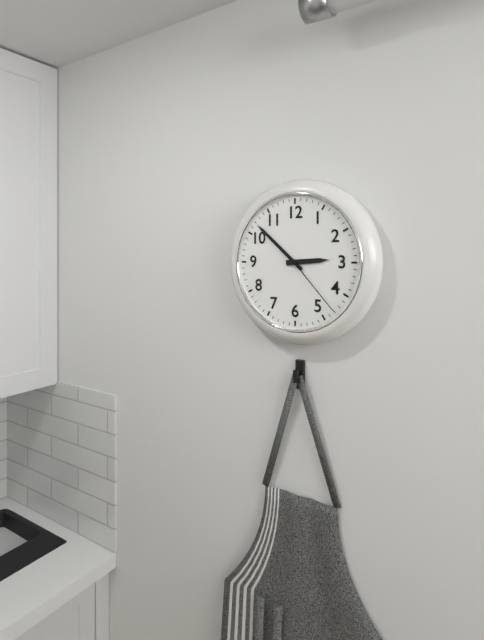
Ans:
2,52,23
